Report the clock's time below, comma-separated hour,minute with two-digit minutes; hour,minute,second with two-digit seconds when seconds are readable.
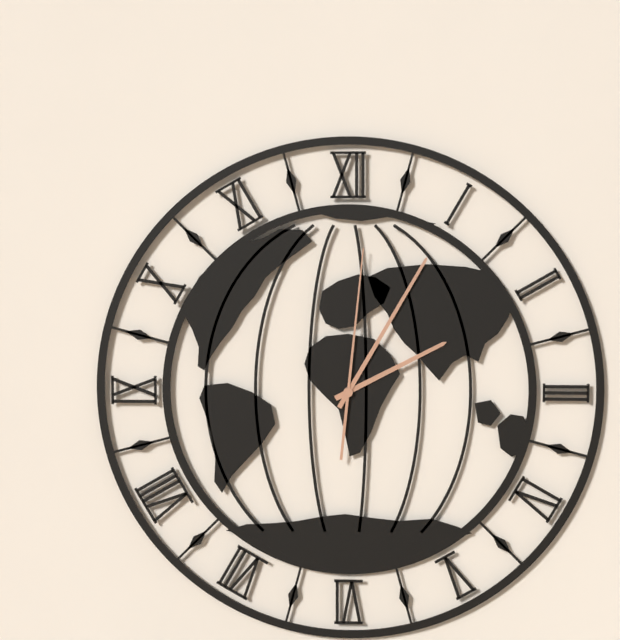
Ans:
2,05,01
